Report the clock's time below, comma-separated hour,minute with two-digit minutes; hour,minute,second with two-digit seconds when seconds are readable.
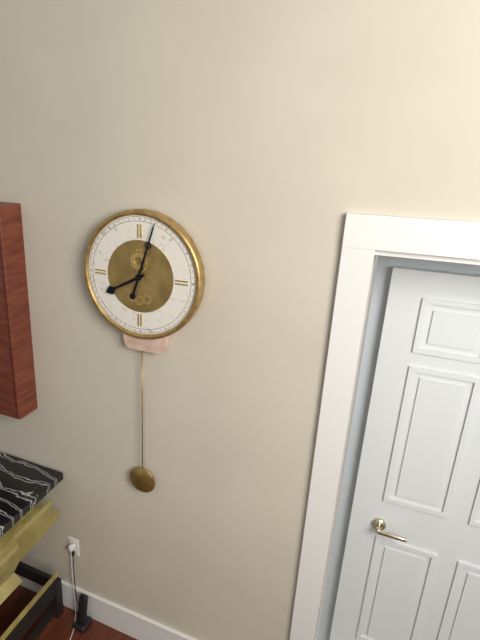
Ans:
8,03
